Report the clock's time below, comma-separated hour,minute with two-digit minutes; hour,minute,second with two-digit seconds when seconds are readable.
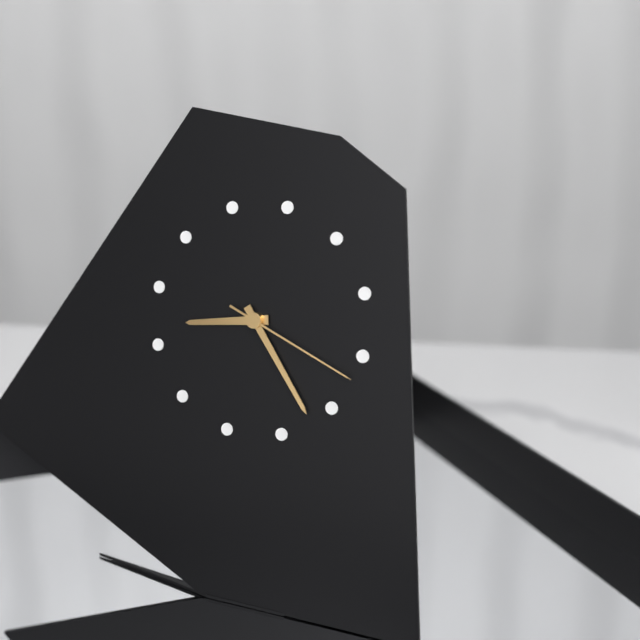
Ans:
8,22,17
